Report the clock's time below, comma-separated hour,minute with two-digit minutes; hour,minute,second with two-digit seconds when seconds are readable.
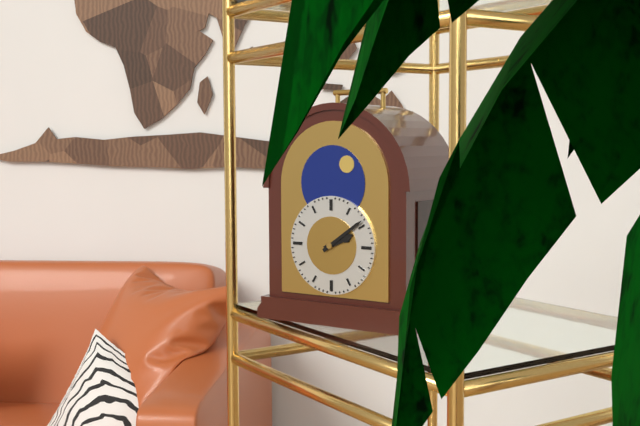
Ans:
2,09
